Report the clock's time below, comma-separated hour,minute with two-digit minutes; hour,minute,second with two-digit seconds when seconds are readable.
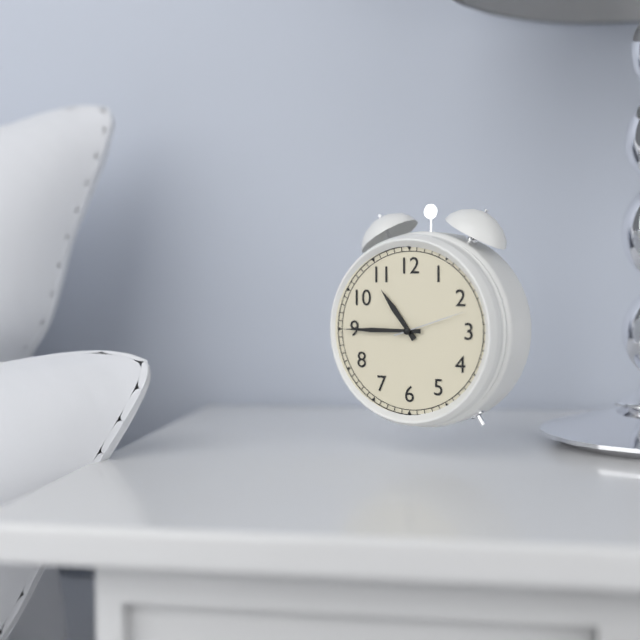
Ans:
10,45,12
